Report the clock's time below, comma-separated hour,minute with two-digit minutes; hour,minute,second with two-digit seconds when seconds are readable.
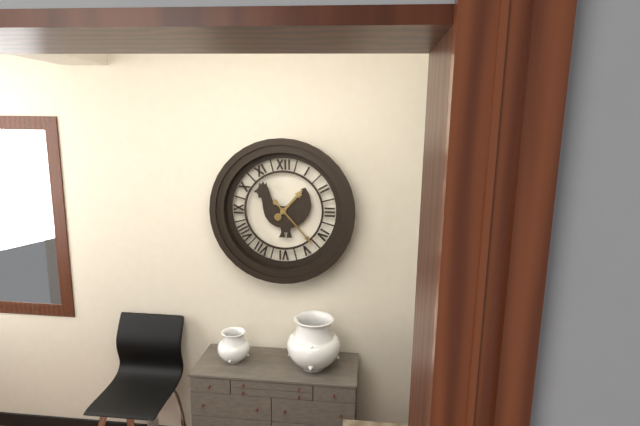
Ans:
1,23
